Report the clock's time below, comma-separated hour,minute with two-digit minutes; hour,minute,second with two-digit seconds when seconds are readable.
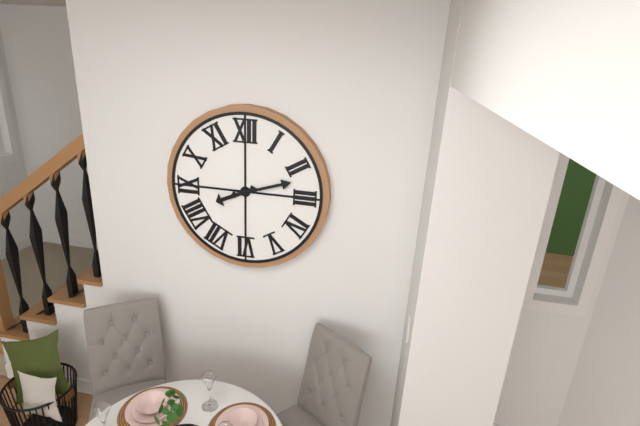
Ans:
8,12
